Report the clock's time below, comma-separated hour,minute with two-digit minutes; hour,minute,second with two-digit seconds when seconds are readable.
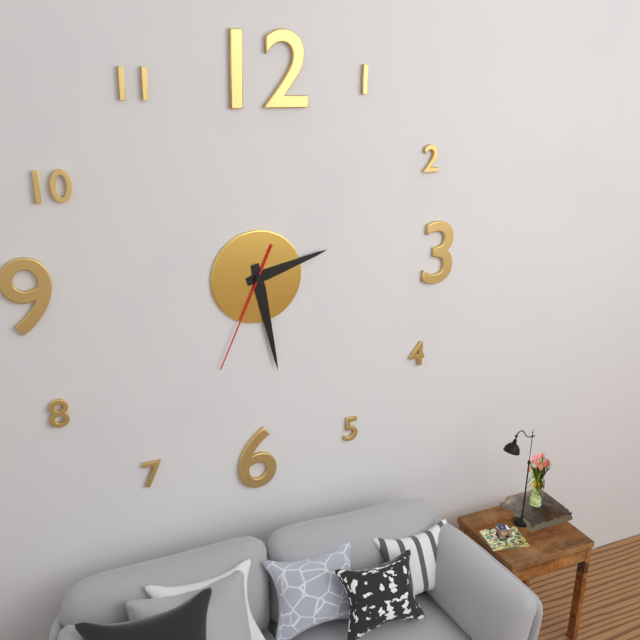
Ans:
2,28,34
